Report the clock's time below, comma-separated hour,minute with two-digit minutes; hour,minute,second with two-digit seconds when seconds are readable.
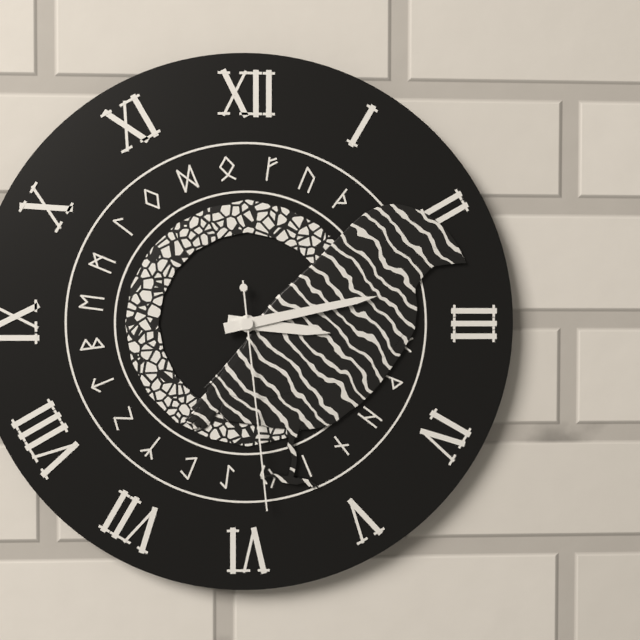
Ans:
3,13,29
